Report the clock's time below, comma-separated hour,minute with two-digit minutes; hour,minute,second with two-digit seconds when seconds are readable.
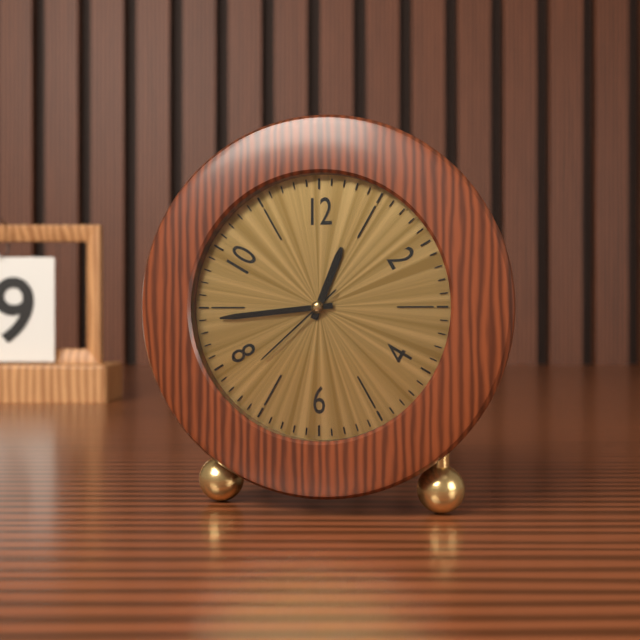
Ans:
12,44,38
